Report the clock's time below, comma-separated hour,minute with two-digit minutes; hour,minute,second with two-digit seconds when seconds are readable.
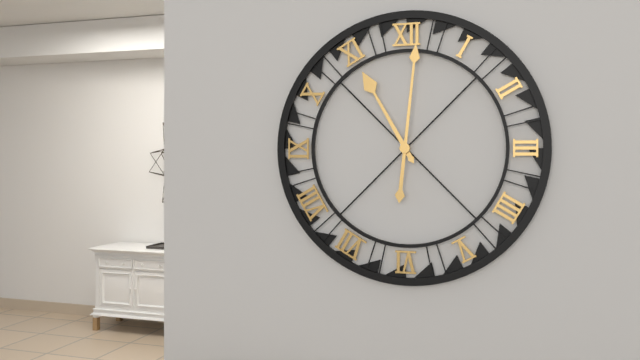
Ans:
11,01
